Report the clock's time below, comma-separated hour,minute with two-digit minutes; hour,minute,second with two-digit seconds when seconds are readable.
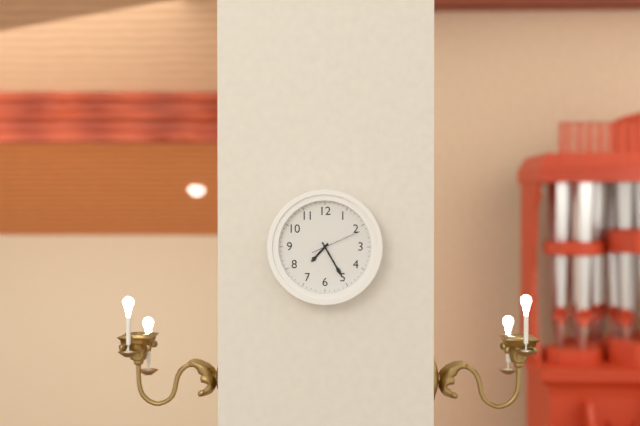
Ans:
7,25
